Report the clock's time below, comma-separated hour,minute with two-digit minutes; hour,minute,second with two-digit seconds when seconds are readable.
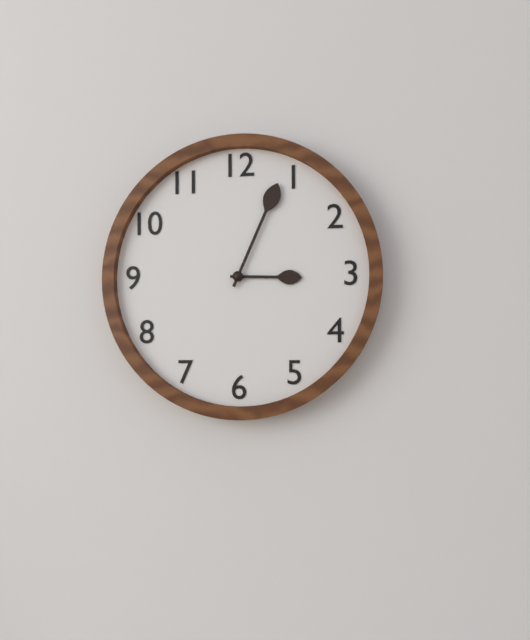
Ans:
3,04
